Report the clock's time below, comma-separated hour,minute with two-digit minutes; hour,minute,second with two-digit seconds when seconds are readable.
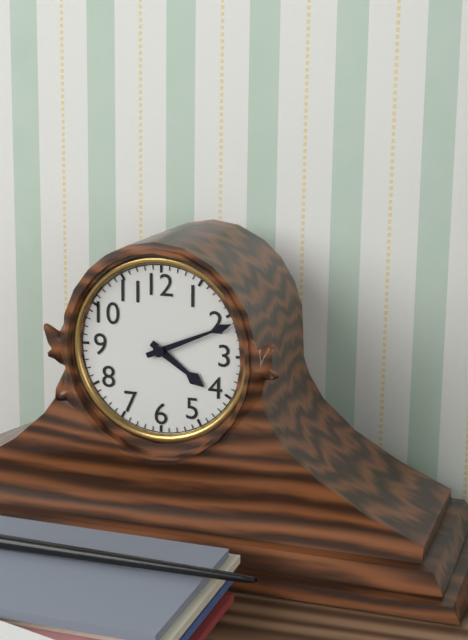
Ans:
4,11
